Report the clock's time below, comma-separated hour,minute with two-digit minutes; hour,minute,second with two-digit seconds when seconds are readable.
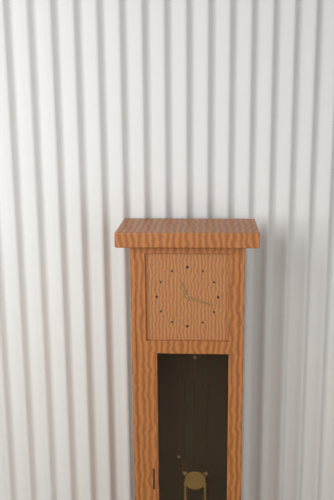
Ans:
11,18
